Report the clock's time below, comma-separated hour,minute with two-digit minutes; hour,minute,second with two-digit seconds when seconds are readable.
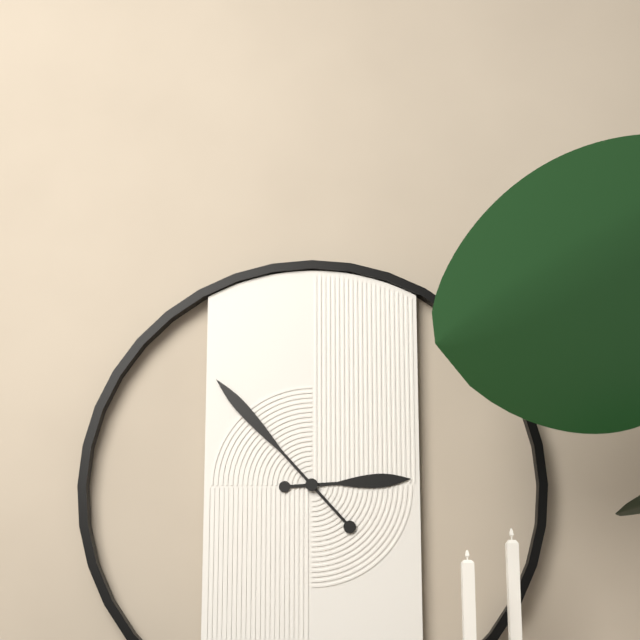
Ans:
2,53
